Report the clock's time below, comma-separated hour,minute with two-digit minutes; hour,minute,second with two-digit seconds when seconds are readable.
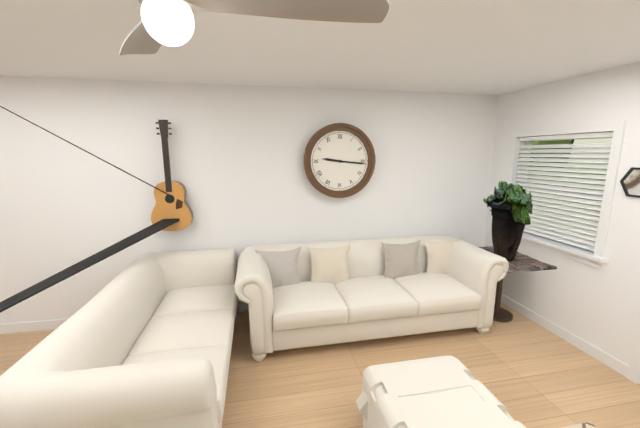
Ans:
9,16
